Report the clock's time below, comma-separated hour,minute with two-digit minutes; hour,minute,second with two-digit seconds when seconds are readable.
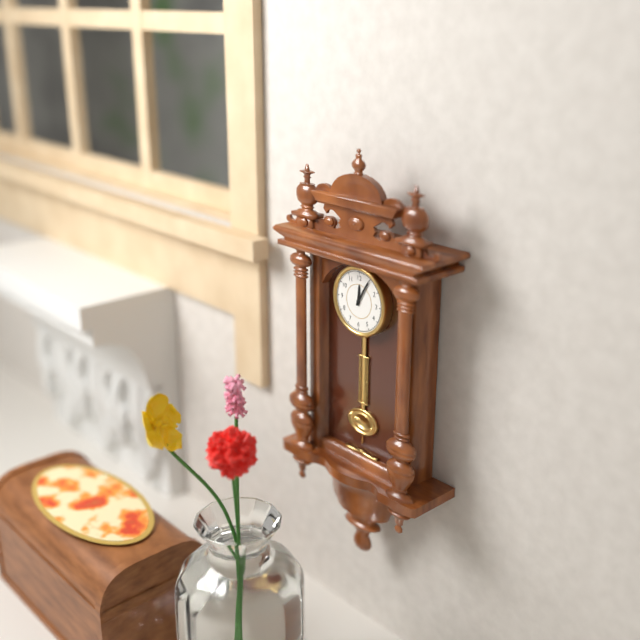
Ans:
12,05
